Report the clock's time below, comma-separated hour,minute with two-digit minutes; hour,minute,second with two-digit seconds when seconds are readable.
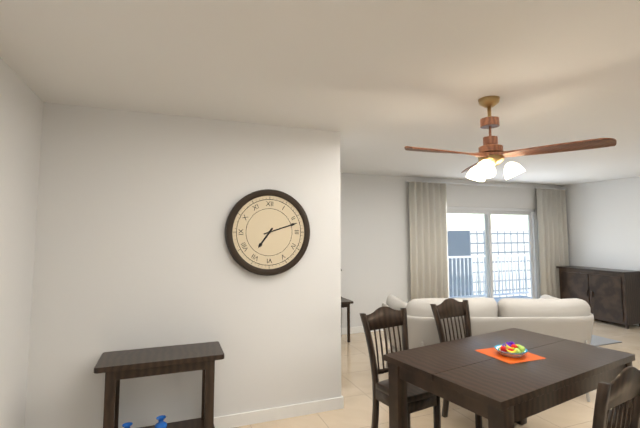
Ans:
7,12
